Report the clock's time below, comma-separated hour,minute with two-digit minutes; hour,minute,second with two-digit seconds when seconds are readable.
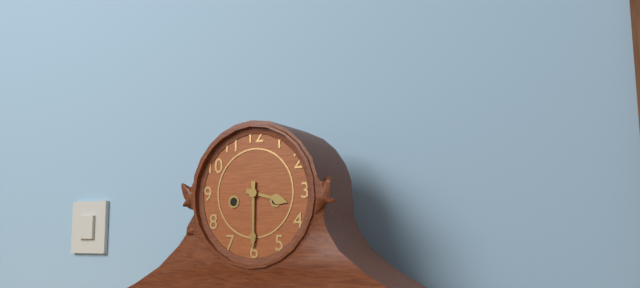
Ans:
3,30
